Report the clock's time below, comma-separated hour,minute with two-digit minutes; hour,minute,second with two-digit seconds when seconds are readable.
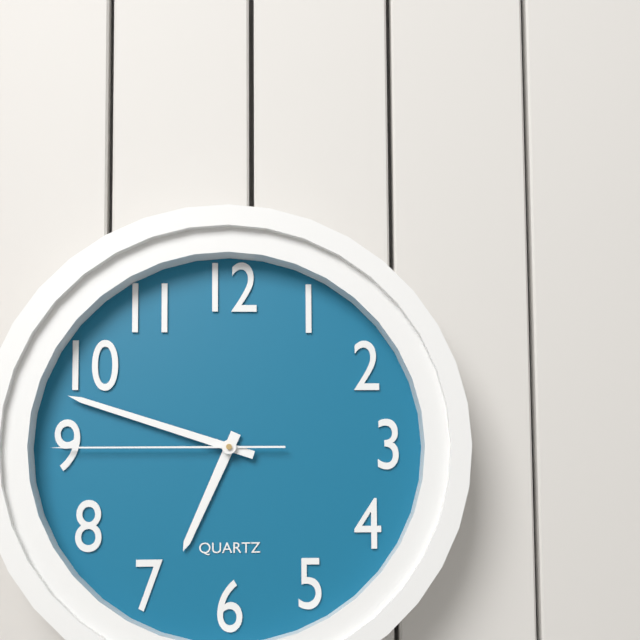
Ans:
6,48,45
